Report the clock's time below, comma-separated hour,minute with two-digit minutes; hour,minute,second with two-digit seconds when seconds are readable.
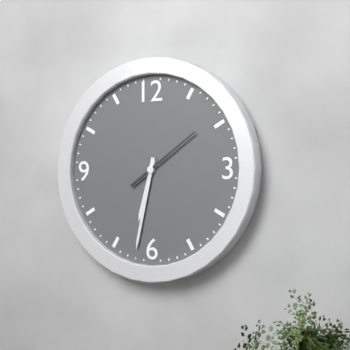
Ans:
6,32,09
